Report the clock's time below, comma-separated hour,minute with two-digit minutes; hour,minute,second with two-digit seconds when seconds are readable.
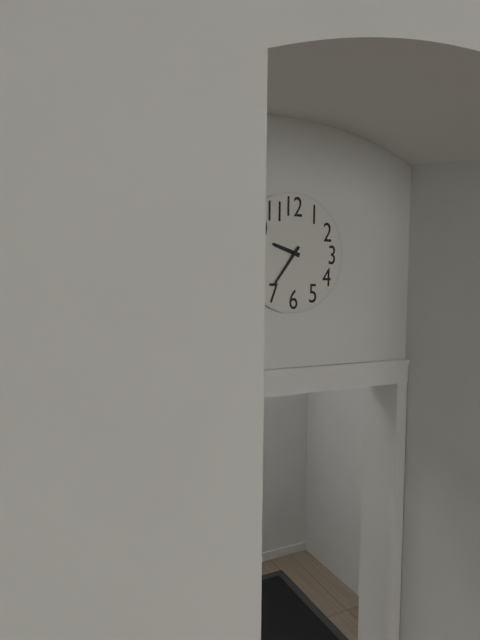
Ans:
9,36
